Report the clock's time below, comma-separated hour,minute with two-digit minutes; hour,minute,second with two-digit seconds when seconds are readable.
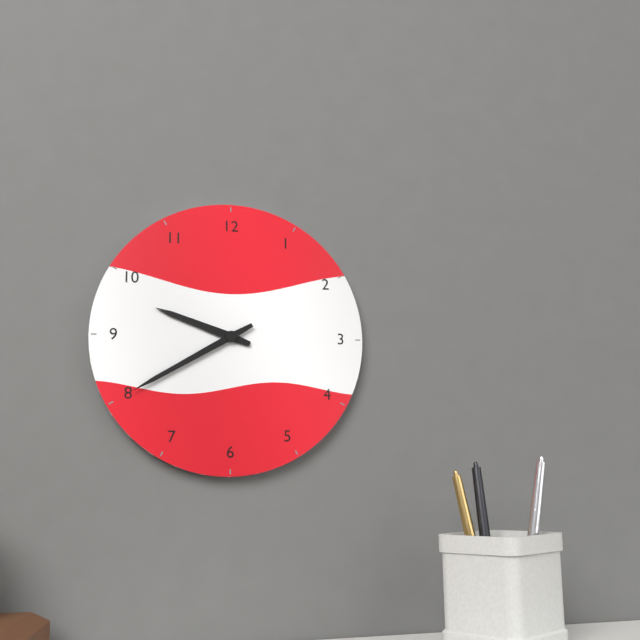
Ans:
9,40
